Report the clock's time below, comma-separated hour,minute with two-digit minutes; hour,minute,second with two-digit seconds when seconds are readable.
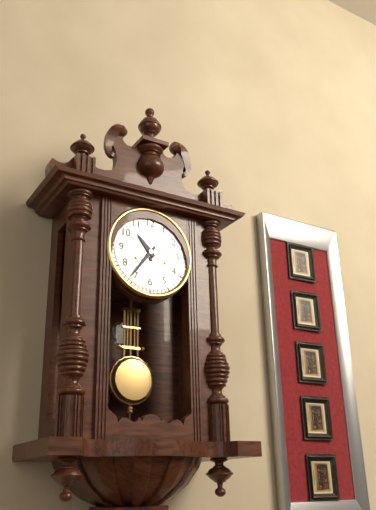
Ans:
10,36
